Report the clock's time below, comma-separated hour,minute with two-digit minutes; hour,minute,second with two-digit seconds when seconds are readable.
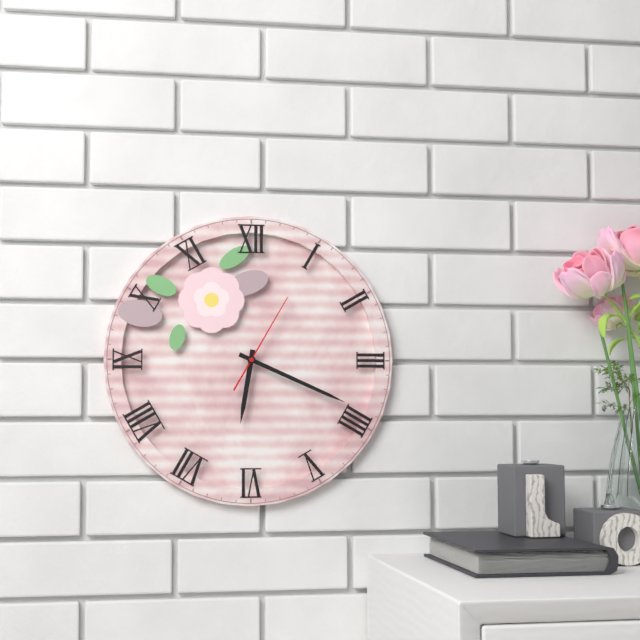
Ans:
6,19,05
